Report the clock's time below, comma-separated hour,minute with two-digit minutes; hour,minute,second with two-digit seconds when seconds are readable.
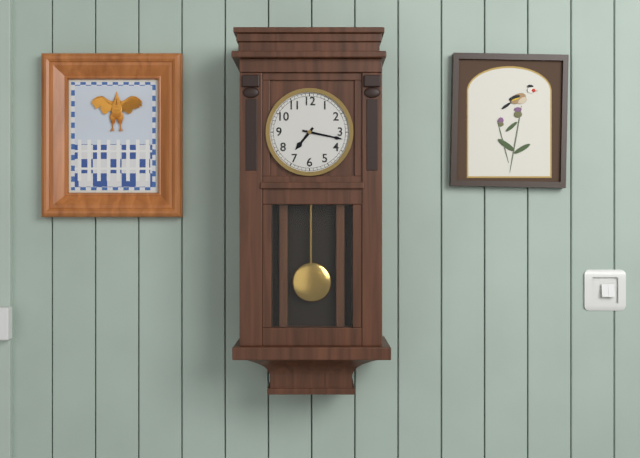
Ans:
7,17
